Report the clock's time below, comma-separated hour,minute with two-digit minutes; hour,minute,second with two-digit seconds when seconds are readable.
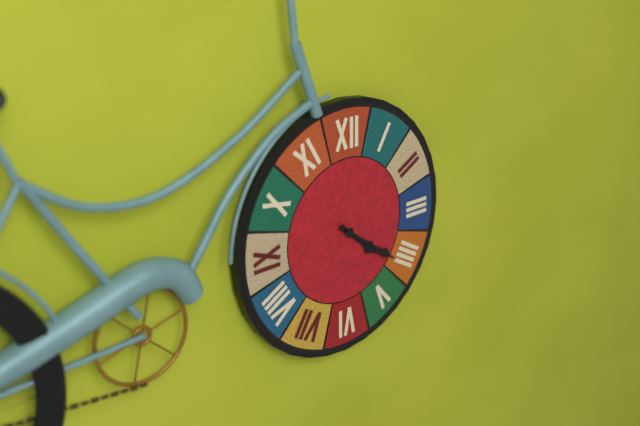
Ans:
4,21
